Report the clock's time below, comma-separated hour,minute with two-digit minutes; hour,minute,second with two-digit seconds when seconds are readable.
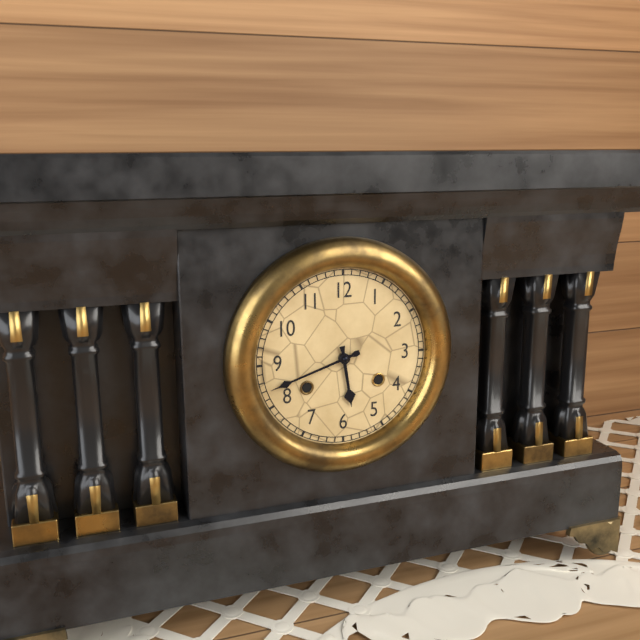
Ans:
5,42
